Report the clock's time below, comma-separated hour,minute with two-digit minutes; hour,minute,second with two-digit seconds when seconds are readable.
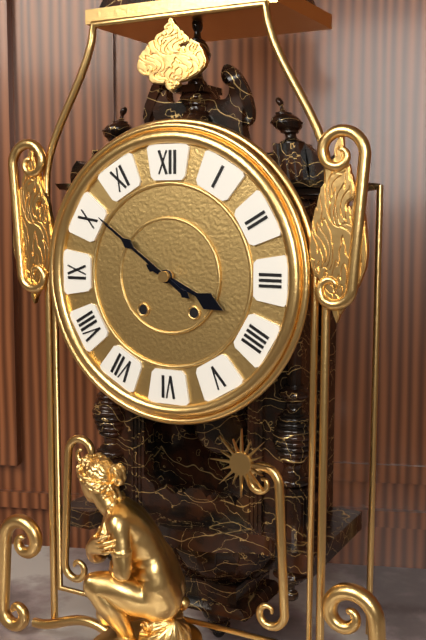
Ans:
3,51
